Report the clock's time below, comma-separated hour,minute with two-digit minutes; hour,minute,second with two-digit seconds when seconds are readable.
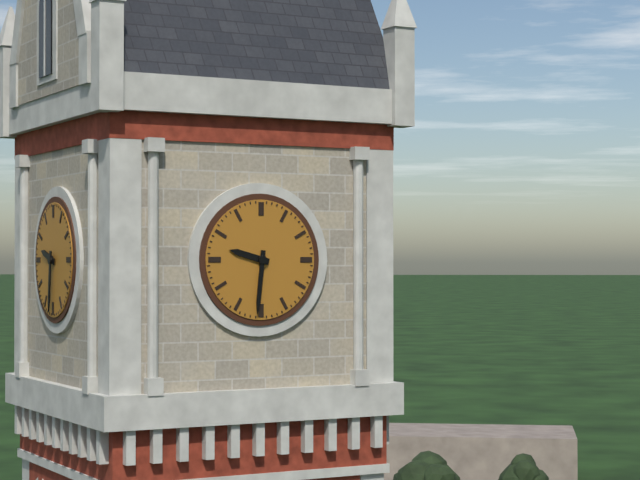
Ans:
9,31
